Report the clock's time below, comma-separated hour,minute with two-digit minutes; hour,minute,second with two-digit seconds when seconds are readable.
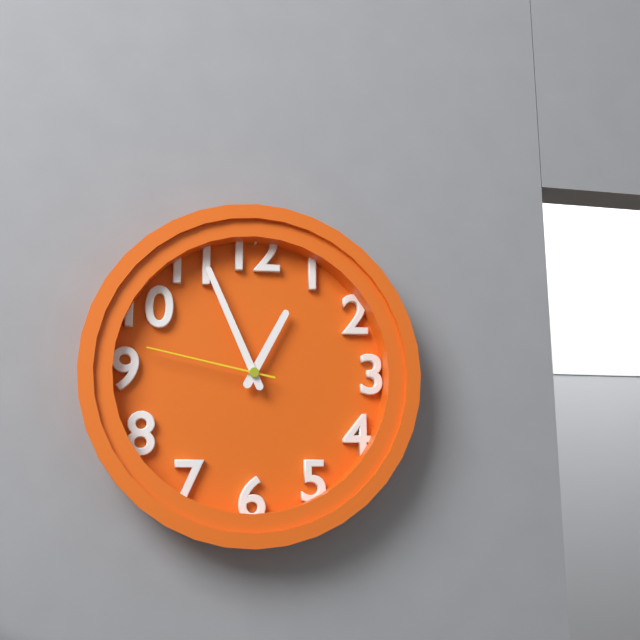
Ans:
12,56,47
